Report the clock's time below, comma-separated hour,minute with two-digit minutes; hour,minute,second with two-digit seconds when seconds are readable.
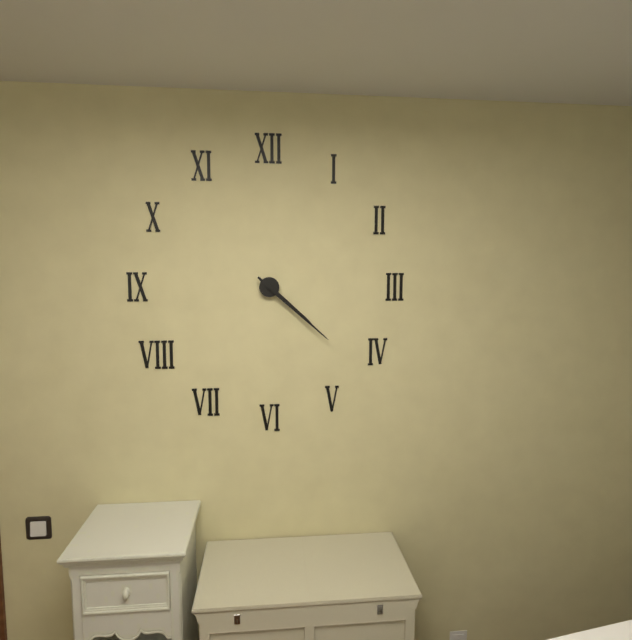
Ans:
4,22
